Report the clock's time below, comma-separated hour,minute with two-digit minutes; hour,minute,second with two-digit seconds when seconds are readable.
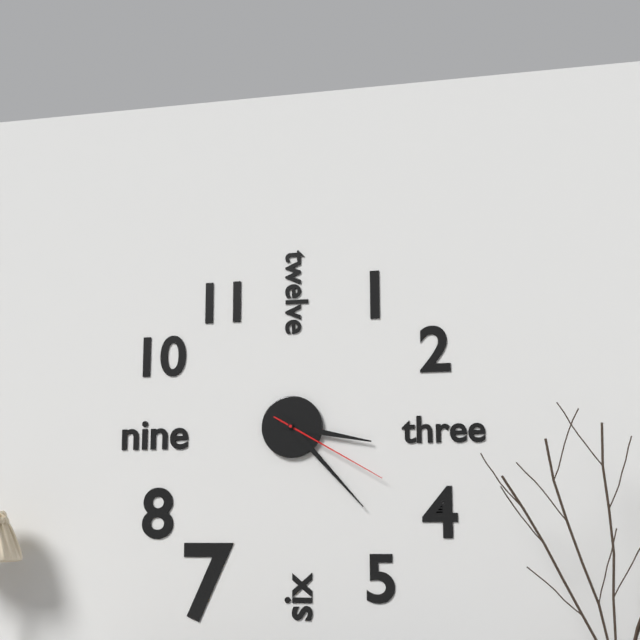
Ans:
3,23,20
